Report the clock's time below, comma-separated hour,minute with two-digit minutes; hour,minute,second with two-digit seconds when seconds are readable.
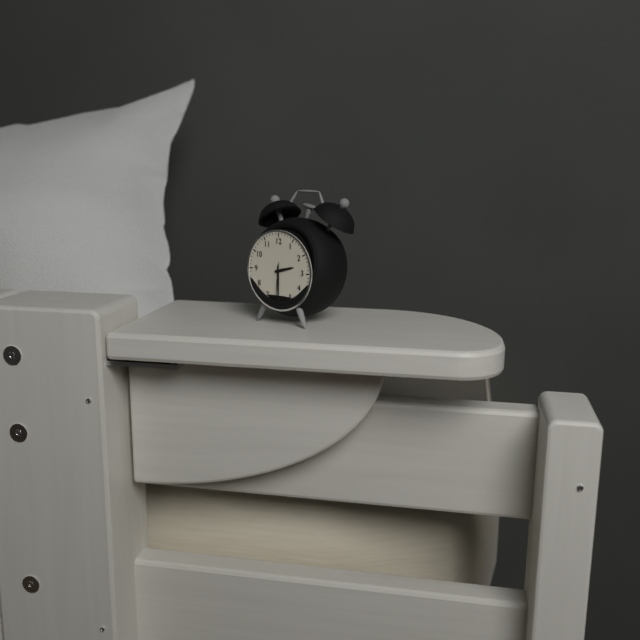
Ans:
2,30
